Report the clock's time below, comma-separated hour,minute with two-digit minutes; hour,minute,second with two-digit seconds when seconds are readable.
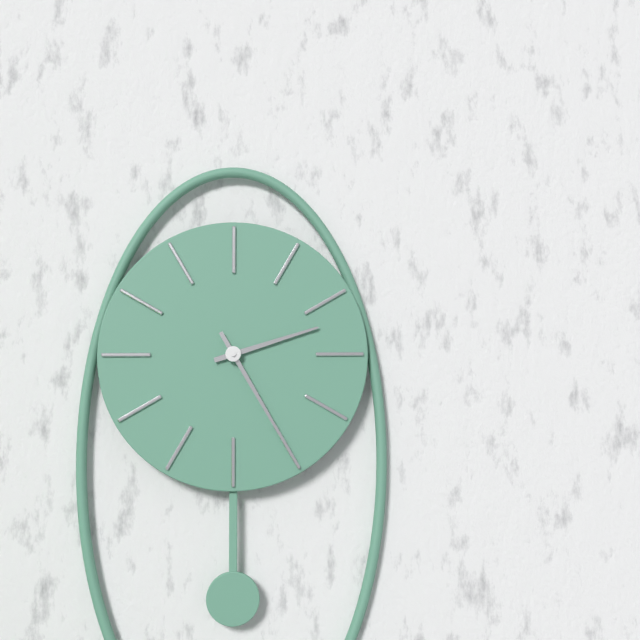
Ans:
2,25
